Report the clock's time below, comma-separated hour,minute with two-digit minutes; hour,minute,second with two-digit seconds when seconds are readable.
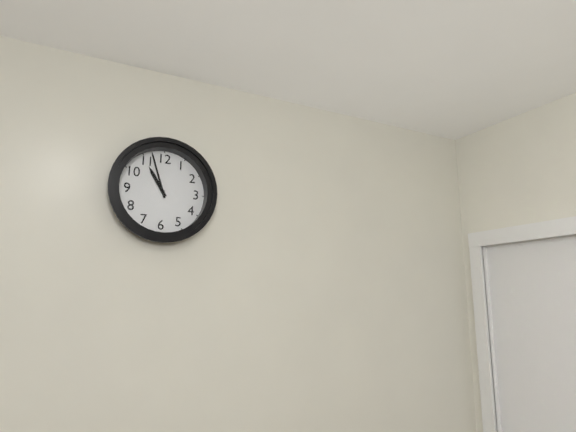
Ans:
10,57
